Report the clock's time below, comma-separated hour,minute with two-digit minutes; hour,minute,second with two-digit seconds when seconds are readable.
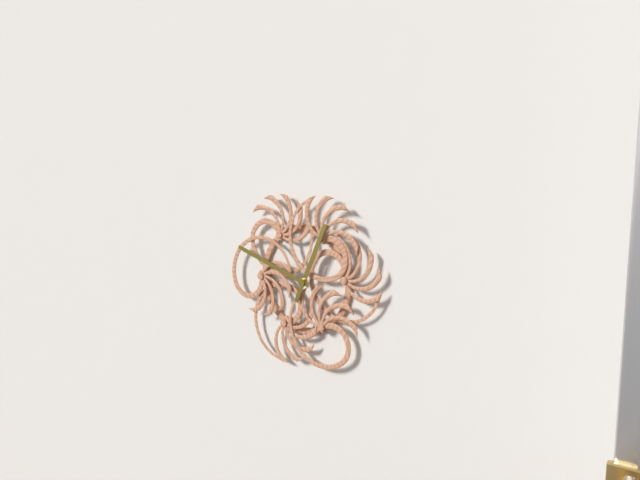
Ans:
12,48
